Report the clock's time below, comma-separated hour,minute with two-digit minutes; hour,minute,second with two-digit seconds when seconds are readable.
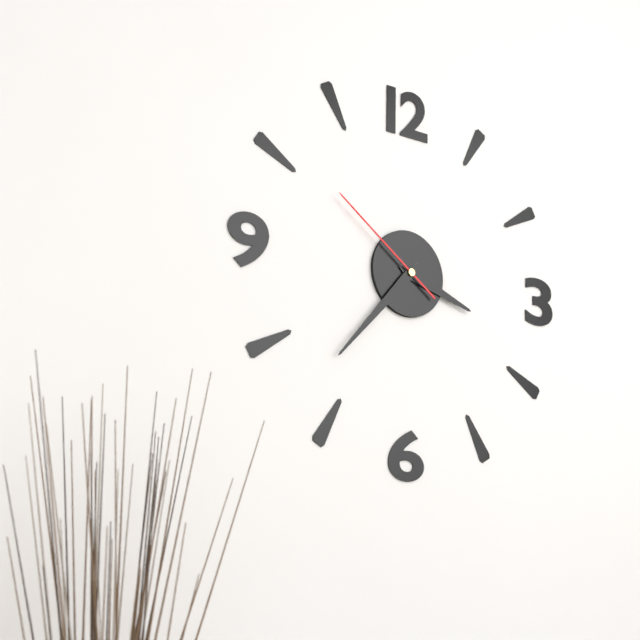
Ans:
3,37,51
